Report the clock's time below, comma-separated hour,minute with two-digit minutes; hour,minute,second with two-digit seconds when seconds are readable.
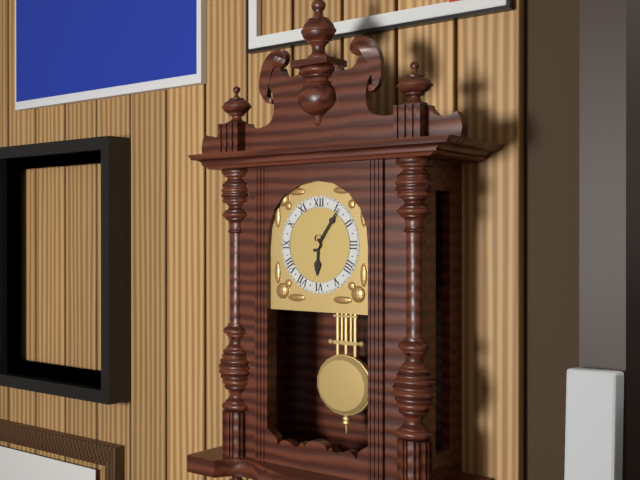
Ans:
6,06
